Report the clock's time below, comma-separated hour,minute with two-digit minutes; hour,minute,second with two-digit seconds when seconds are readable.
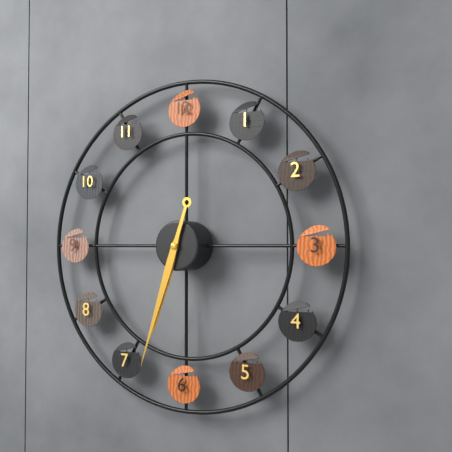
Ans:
6,33
